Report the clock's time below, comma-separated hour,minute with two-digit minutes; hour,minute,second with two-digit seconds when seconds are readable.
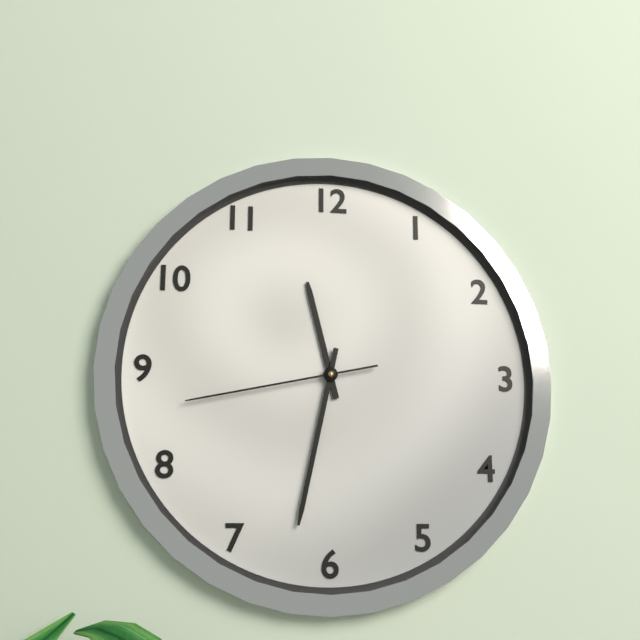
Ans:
11,32,43
